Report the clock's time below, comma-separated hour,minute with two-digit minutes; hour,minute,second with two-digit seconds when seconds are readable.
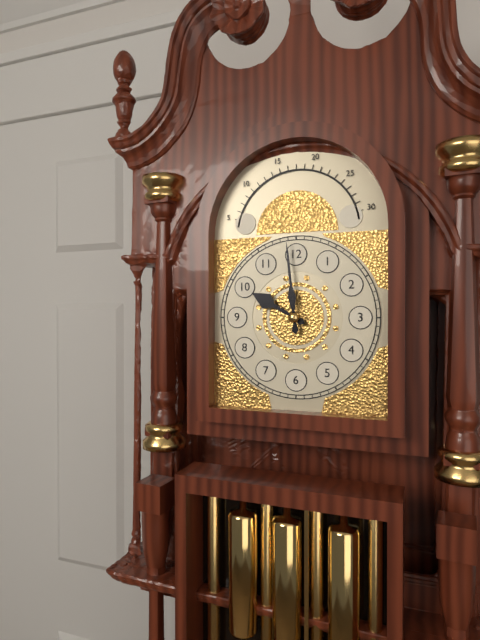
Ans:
9,59
